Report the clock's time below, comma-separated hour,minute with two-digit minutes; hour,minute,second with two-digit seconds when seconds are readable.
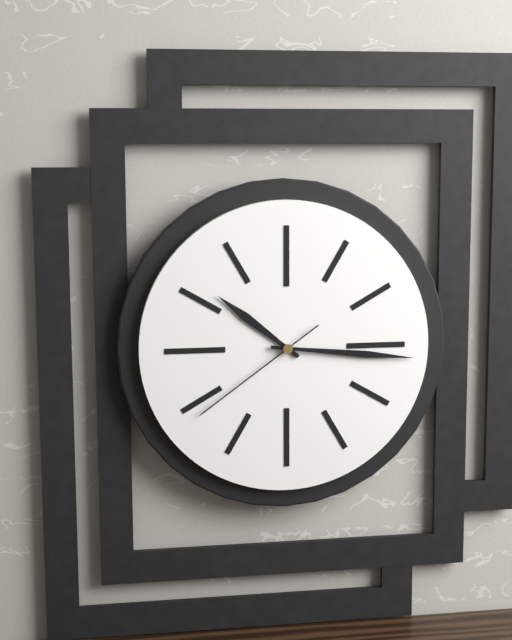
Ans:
10,16,39
